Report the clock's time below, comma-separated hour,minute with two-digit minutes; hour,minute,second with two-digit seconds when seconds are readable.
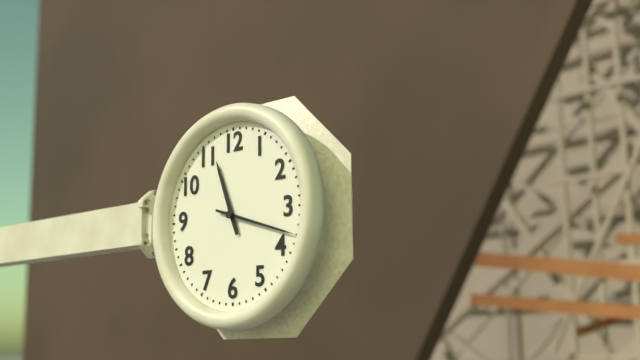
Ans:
11,18
